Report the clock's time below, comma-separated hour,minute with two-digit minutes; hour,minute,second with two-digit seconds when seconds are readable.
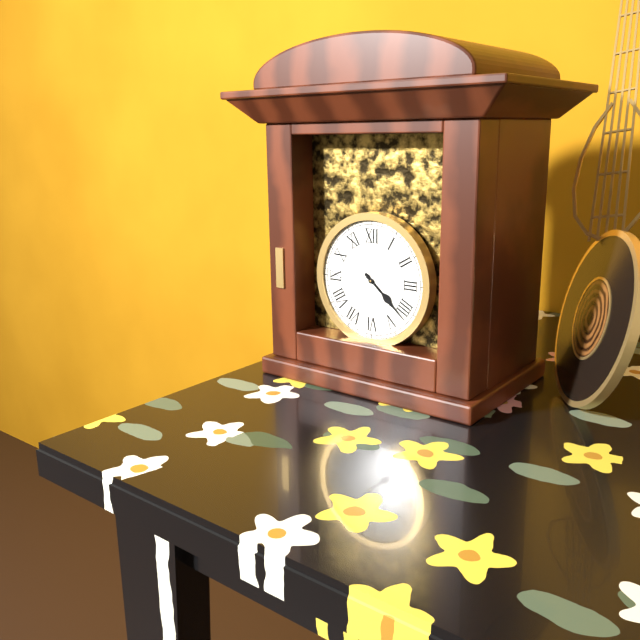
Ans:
4,22
